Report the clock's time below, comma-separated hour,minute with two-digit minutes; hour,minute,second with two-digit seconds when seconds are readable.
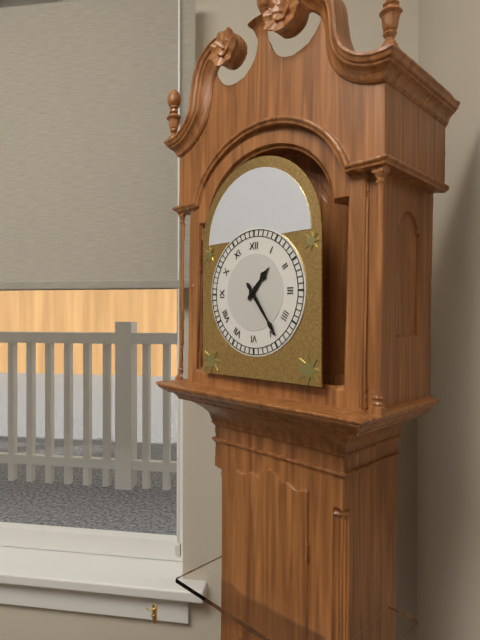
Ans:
1,24
